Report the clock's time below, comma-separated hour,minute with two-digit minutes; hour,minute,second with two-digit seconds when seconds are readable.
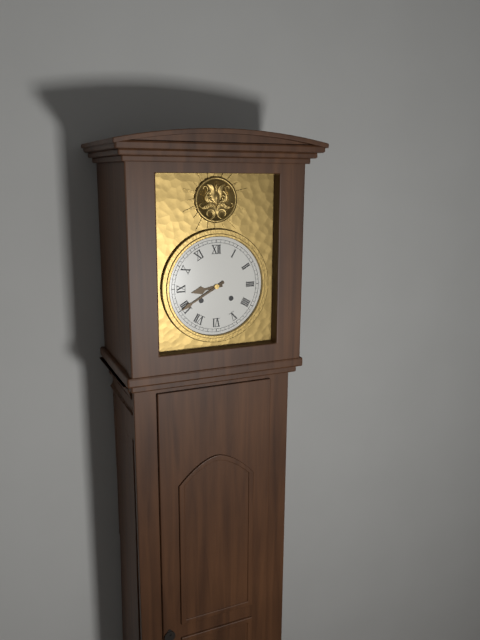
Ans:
8,40
